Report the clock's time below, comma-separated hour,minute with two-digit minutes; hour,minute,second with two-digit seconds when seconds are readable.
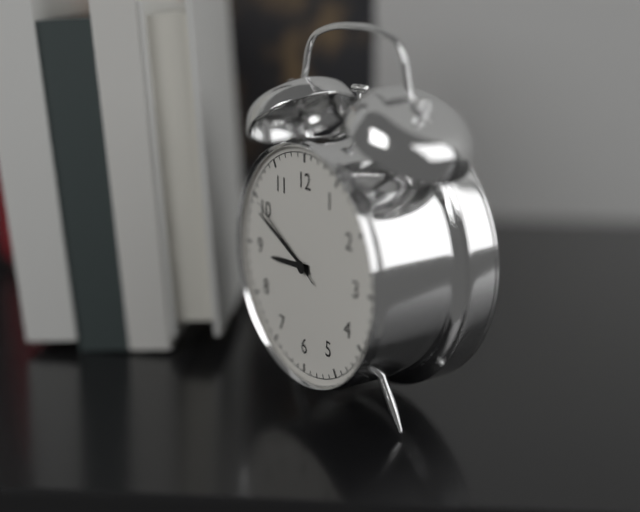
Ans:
8,49,50
